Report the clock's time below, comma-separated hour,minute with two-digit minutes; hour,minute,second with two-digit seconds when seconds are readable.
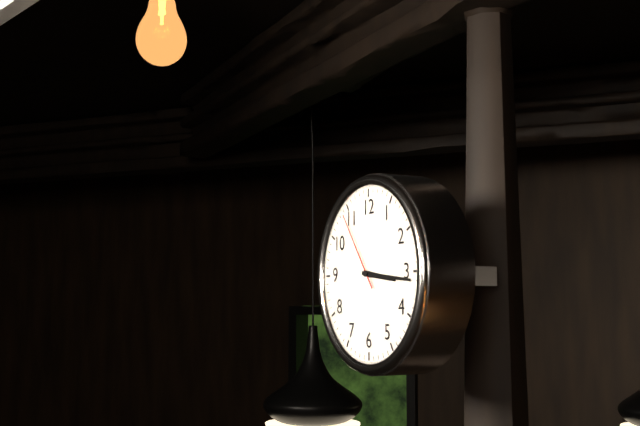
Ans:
3,16,54
